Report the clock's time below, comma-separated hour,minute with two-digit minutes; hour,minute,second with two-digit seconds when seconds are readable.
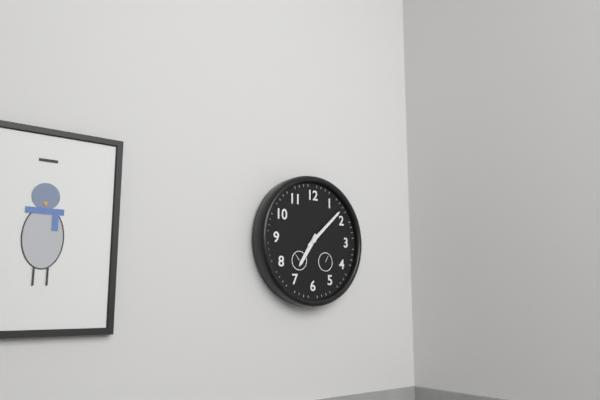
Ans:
7,08
